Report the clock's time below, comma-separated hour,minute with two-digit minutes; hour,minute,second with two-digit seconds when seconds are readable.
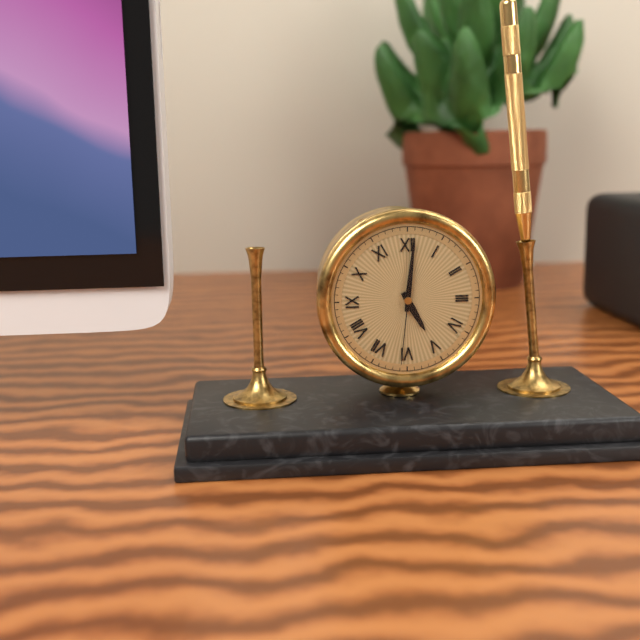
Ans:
5,01,31
